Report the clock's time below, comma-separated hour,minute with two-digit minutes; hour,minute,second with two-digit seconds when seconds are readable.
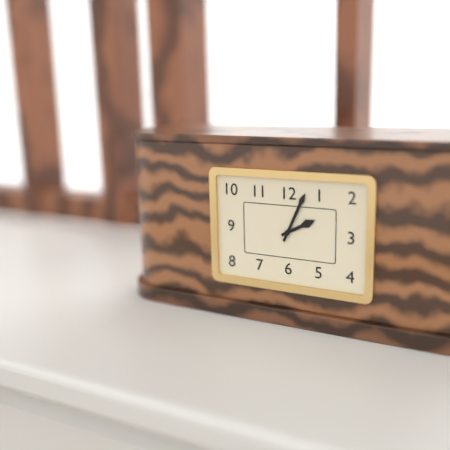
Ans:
2,04
